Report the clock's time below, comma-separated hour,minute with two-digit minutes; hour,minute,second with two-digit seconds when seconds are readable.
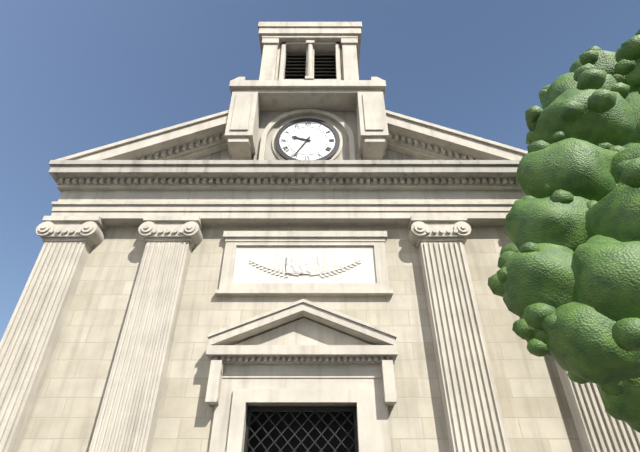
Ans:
9,35
